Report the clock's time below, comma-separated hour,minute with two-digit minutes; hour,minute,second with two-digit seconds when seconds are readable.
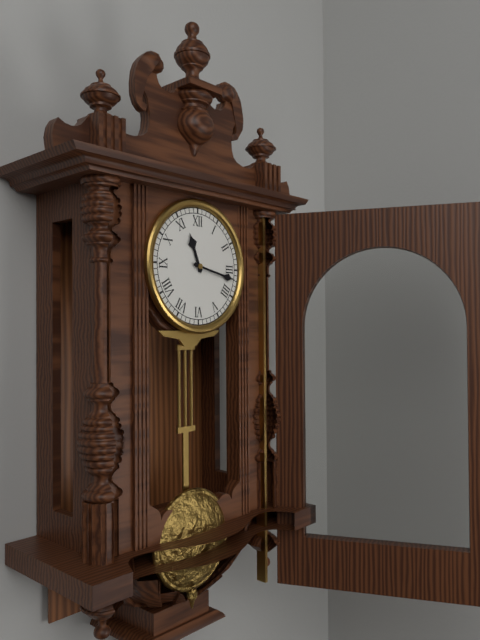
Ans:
11,17
